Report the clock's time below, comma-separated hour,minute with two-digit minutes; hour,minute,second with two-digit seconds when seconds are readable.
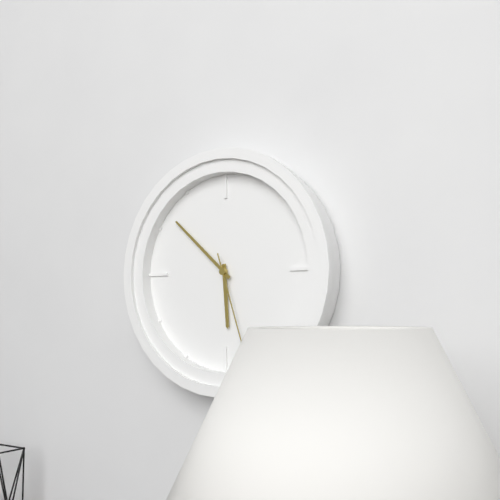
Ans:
5,52
